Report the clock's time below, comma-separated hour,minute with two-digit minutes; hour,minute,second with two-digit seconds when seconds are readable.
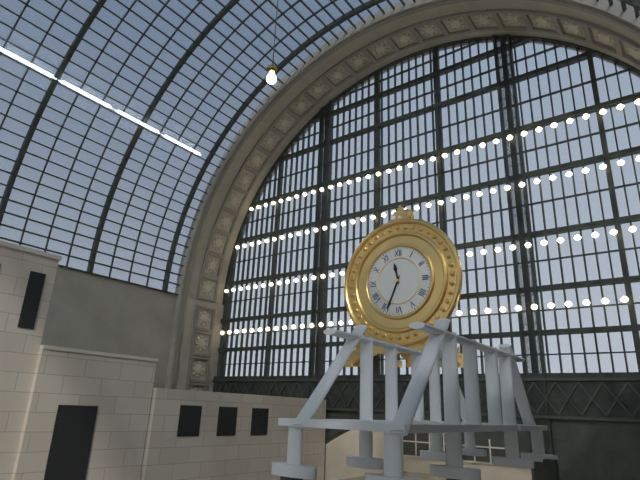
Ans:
11,34
